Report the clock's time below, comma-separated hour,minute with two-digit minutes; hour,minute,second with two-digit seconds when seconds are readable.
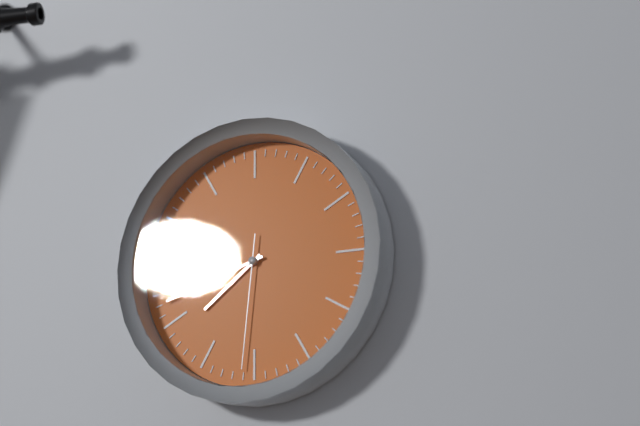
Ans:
7,42,31
